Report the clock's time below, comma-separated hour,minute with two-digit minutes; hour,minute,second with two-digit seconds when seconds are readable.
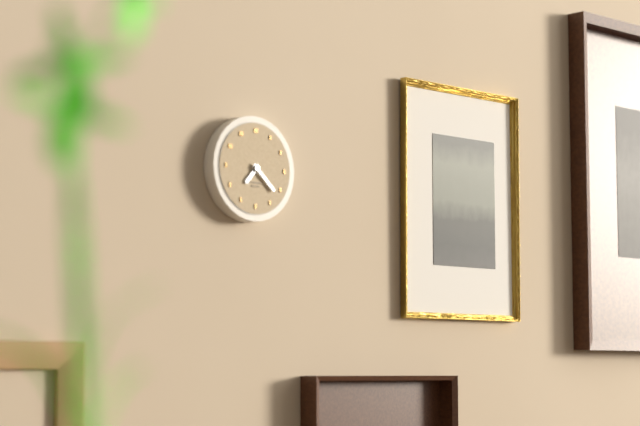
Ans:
7,22
